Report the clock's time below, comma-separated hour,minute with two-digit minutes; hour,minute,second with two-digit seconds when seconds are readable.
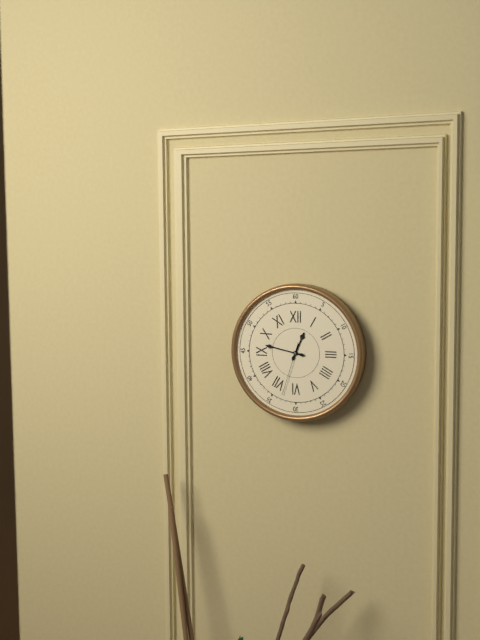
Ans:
12,47,33
